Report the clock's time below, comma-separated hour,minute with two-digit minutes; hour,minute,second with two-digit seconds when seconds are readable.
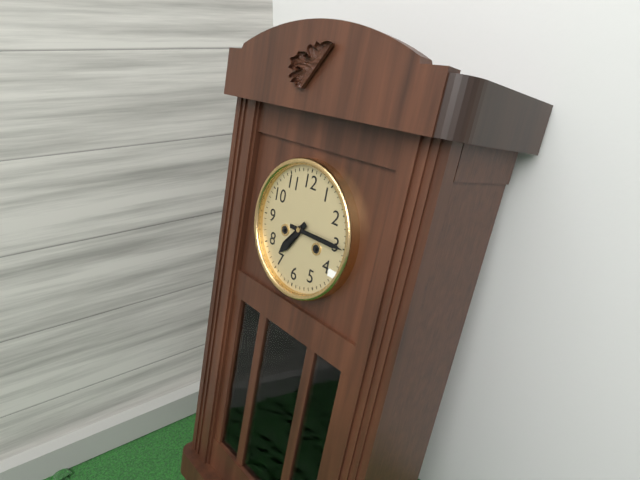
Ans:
7,15
